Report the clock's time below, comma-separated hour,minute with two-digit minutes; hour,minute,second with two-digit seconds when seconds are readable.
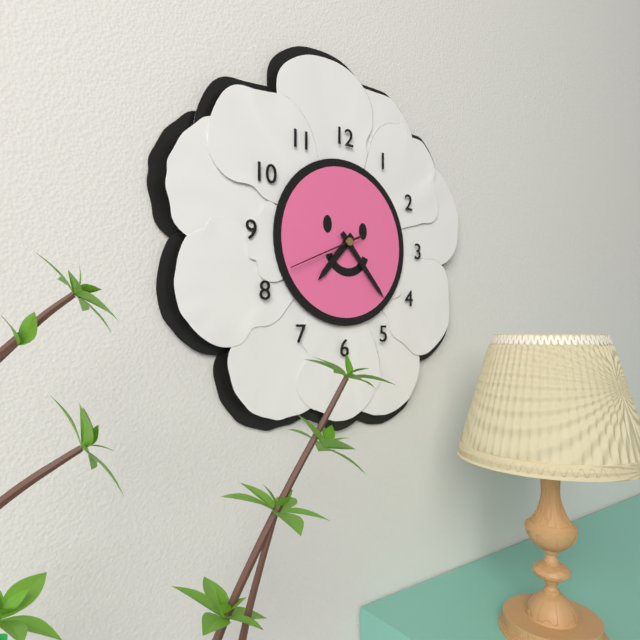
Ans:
7,23,41
